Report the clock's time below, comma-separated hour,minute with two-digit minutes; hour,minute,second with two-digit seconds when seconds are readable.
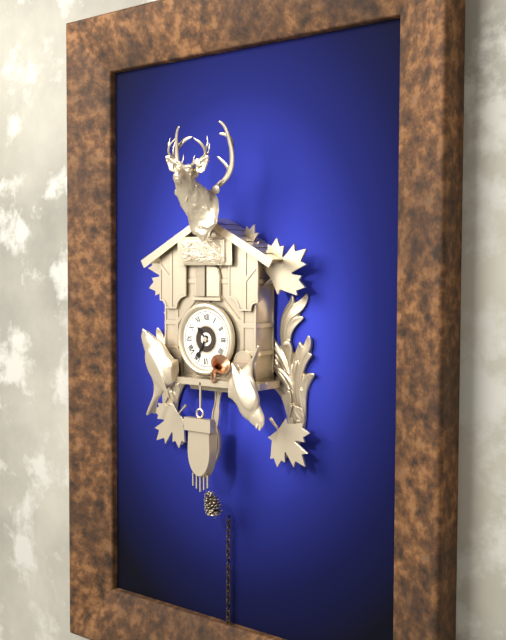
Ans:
10,35
